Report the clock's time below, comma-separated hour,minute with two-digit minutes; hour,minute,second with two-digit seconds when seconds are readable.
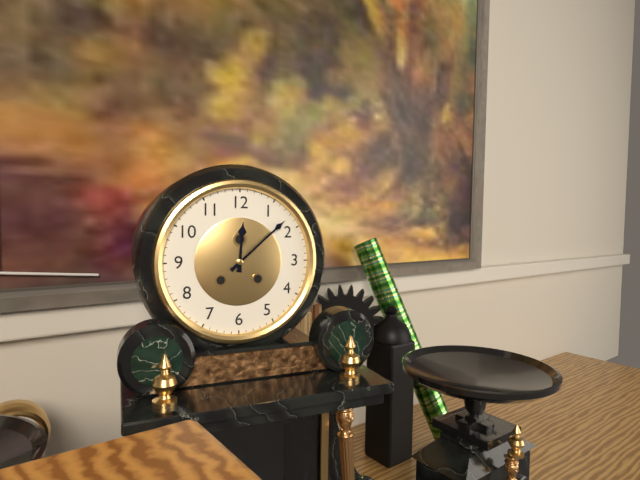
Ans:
12,08
